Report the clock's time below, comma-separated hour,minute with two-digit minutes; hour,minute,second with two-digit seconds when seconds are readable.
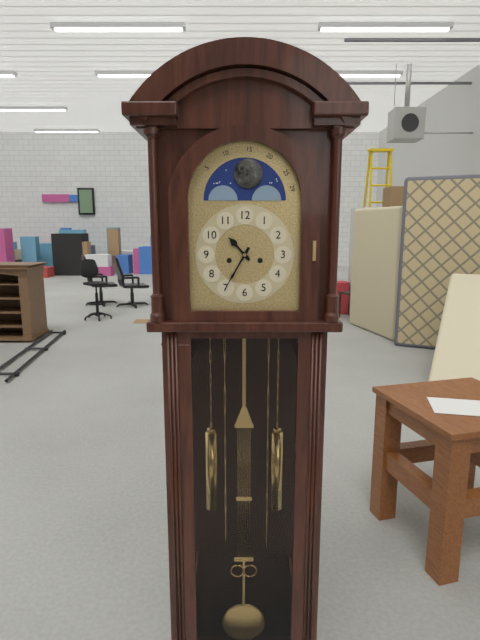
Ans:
10,35
